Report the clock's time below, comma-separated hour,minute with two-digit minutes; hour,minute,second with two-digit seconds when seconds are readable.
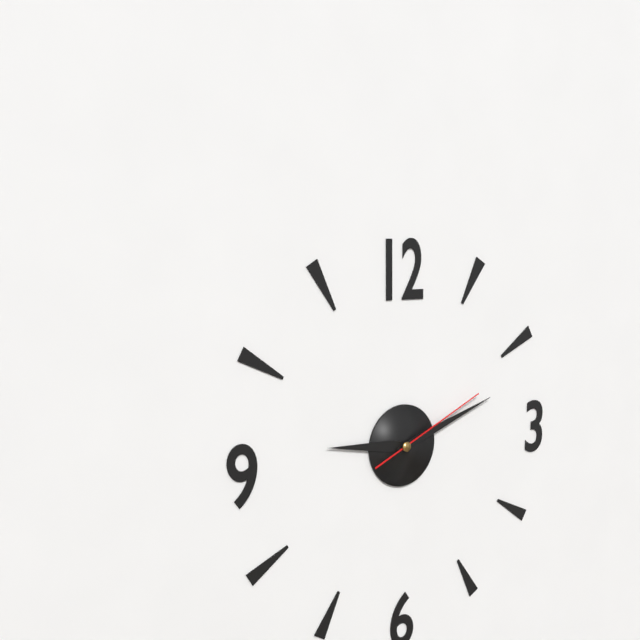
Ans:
9,12,11
